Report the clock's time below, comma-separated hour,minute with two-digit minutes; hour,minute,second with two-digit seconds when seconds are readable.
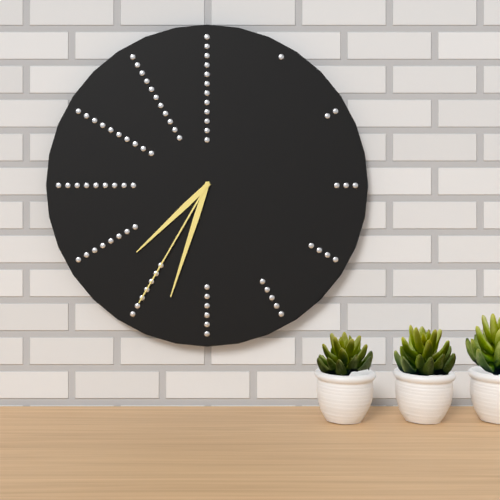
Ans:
7,33,35
